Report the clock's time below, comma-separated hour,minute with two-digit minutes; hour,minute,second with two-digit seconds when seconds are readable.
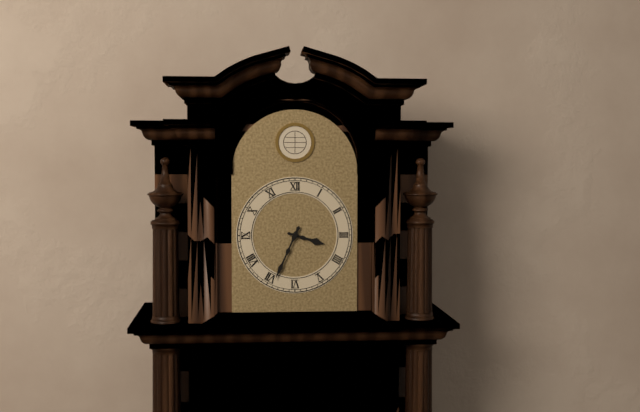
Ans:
3,34
